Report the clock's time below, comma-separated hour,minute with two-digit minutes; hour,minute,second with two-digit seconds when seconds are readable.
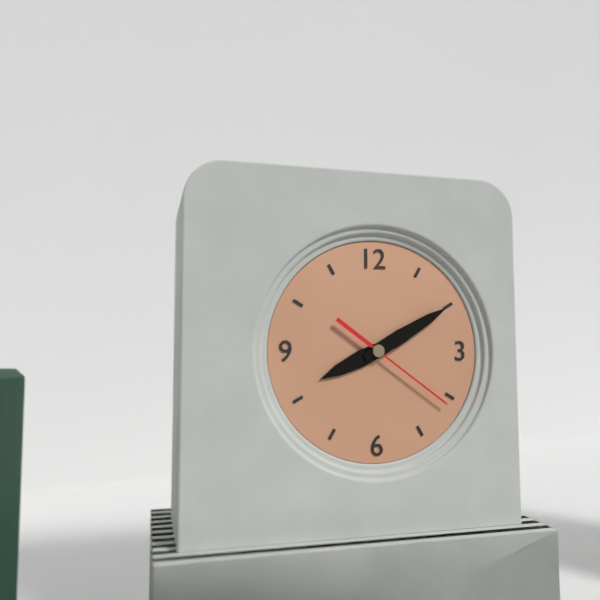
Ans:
8,10,21
